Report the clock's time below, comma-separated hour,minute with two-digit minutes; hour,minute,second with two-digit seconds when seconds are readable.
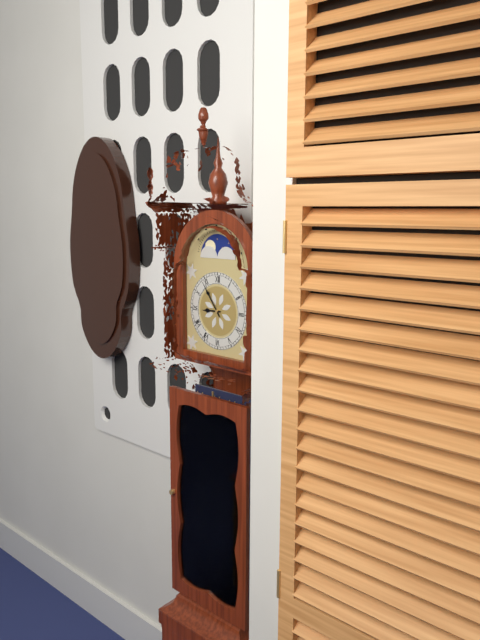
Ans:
8,54
